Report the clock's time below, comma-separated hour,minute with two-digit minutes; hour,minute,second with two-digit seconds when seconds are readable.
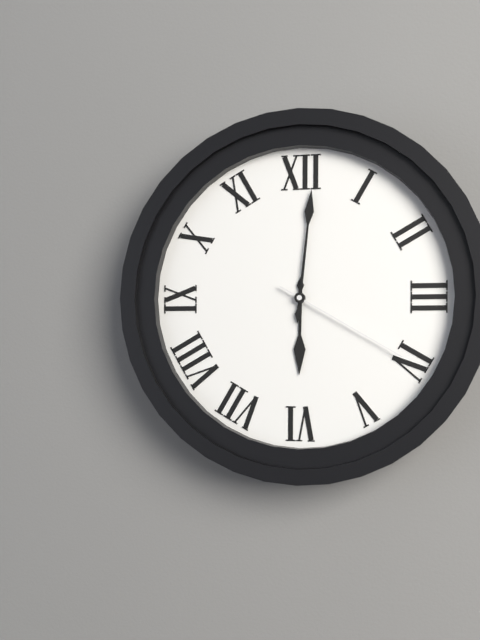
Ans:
6,01,20
